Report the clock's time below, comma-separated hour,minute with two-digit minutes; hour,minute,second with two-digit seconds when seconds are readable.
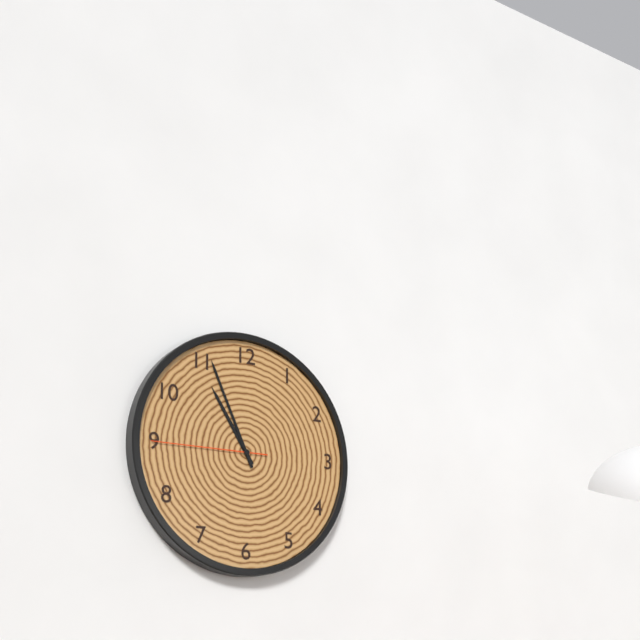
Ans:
10,56,45
